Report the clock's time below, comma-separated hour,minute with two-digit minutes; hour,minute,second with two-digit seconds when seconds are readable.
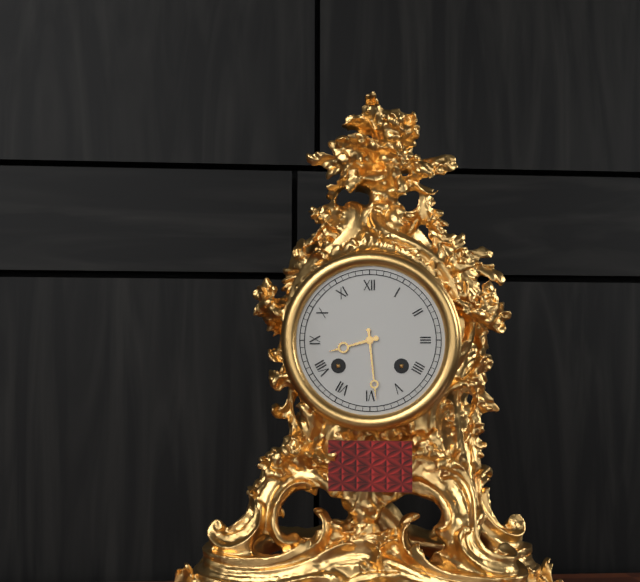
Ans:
8,29
